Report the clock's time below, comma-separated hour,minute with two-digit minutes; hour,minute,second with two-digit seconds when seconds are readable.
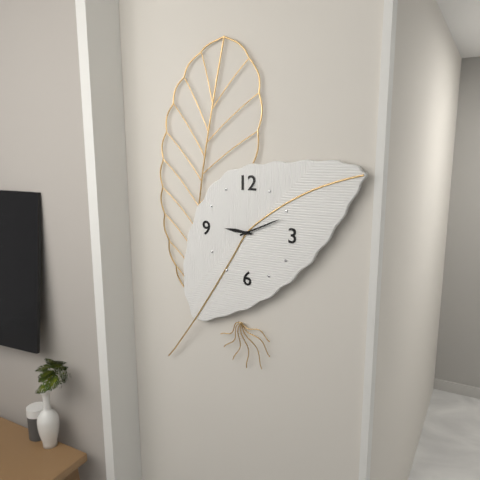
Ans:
9,11
